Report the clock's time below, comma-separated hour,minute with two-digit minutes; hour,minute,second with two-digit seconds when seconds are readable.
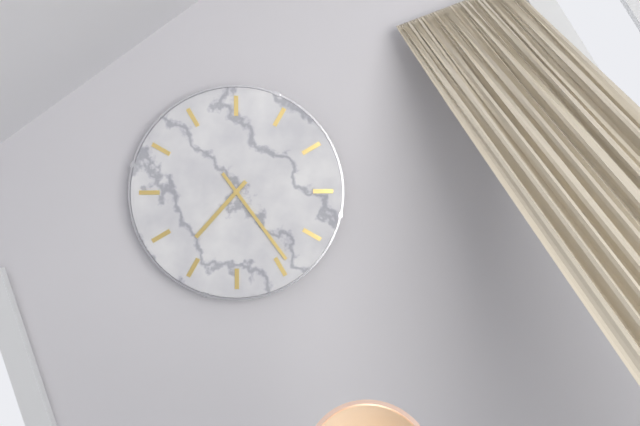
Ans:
7,24
